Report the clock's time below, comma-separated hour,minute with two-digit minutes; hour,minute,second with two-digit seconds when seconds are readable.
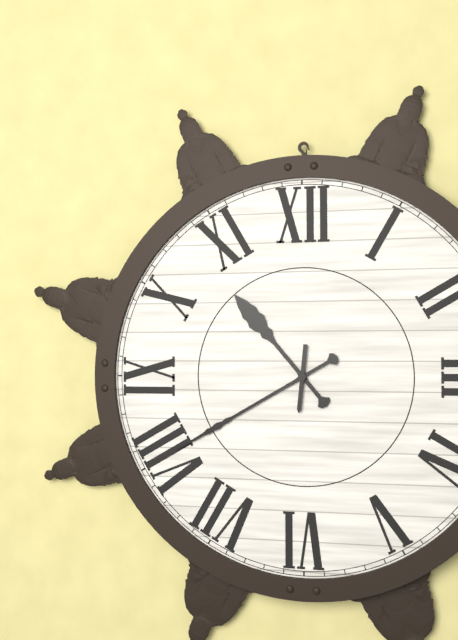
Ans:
10,40
